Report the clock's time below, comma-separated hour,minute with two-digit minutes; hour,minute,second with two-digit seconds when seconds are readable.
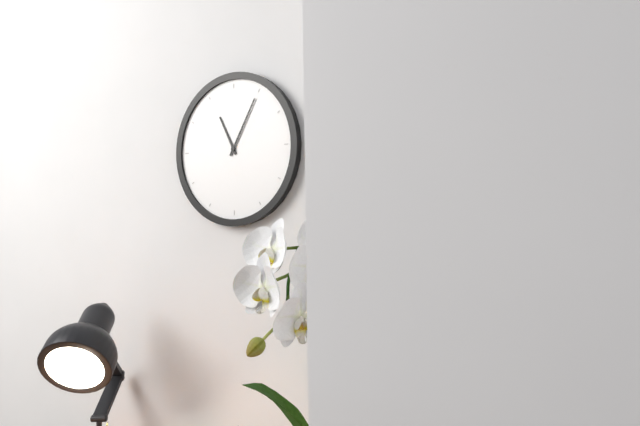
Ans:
11,05
